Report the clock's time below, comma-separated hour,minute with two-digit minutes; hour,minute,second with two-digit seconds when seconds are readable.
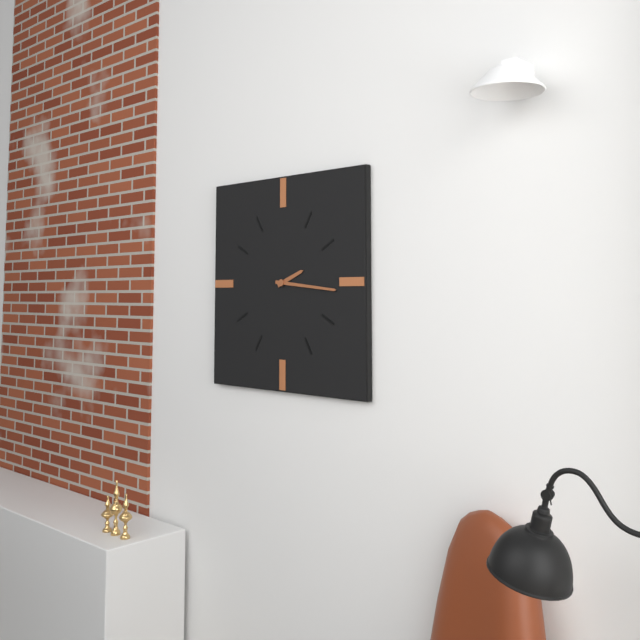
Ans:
2,16
